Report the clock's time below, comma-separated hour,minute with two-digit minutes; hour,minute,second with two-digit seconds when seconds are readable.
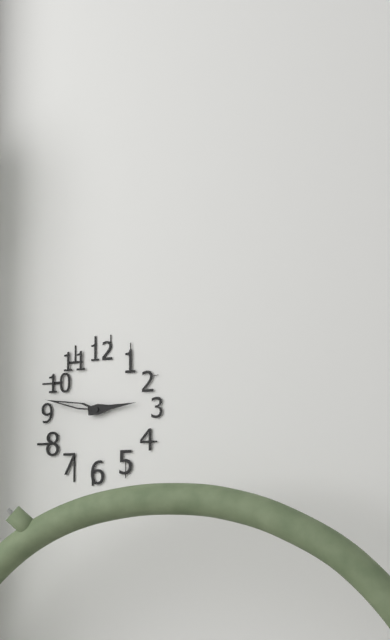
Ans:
2,47
